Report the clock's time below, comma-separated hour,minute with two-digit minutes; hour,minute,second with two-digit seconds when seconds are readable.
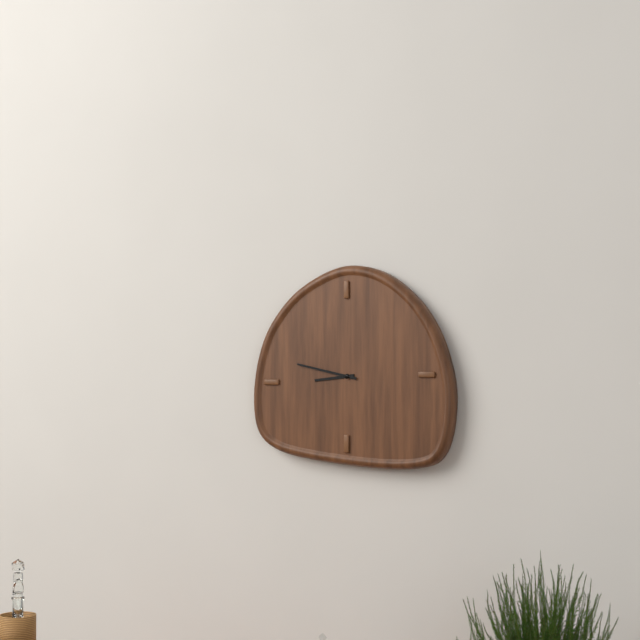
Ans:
8,47
